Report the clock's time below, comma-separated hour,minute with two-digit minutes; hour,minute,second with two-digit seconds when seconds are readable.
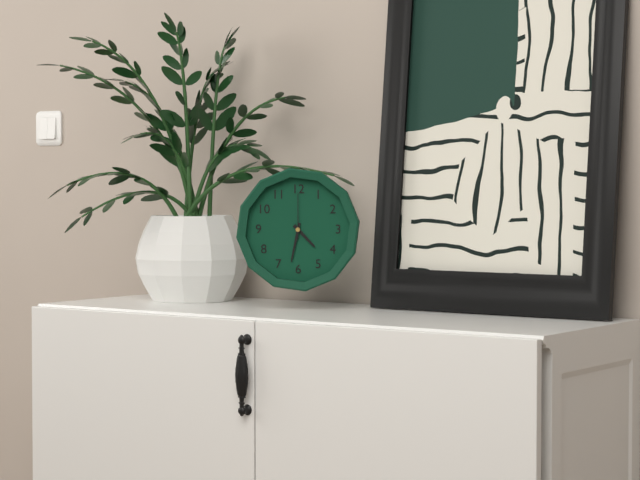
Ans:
4,32
